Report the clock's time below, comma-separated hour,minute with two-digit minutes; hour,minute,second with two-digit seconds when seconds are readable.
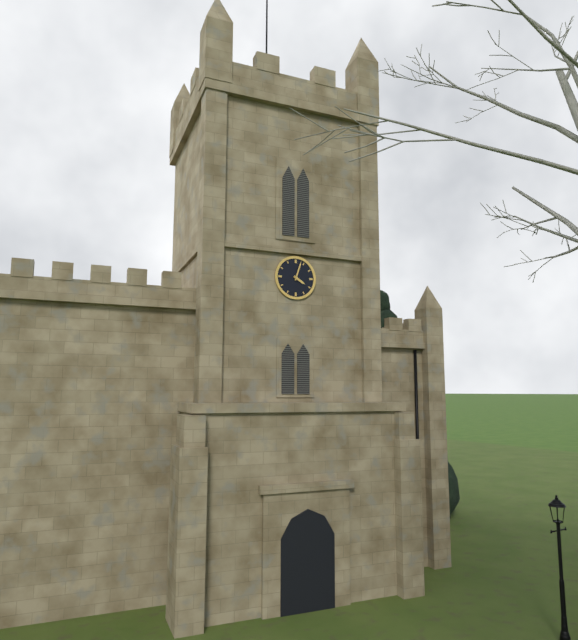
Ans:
4,03
